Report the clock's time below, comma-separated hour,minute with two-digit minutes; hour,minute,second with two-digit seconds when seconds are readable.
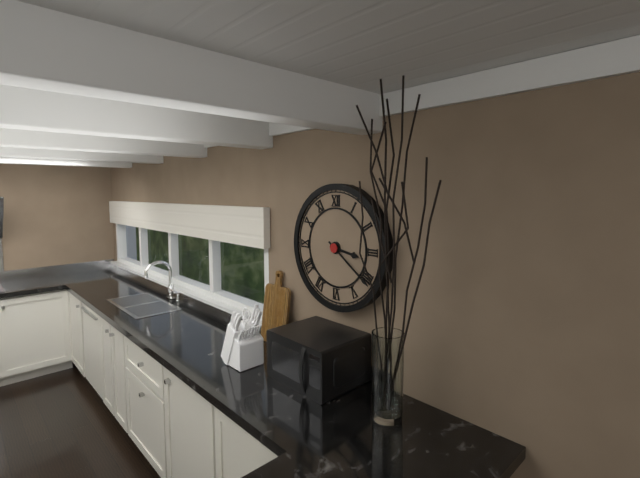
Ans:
3,21
